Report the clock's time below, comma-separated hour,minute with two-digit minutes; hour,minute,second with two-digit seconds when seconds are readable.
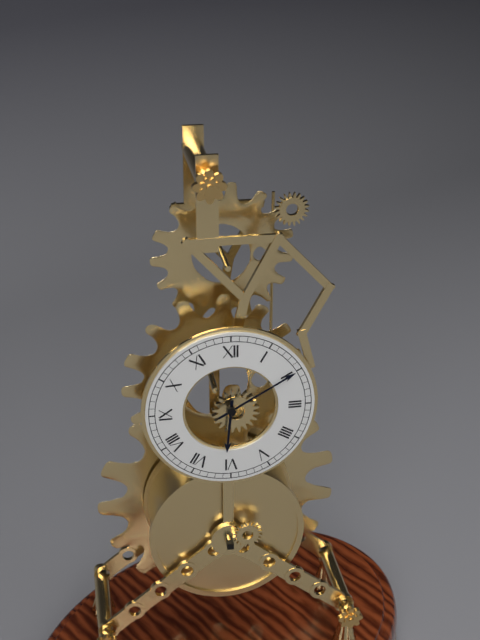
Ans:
6,10
